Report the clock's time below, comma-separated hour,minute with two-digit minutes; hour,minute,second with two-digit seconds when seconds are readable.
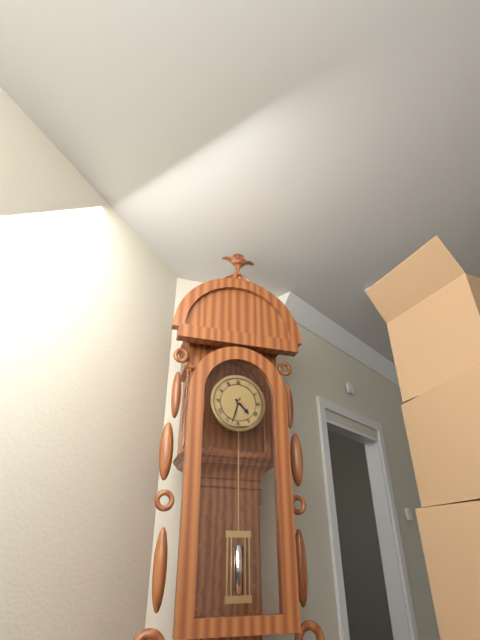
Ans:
4,33
